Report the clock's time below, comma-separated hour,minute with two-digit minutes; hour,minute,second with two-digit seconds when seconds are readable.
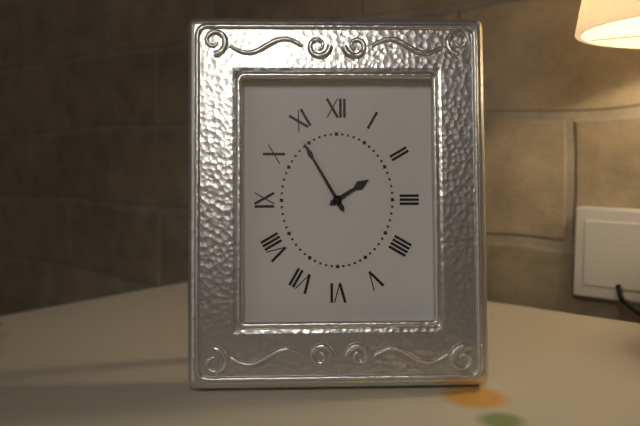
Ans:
1,55
